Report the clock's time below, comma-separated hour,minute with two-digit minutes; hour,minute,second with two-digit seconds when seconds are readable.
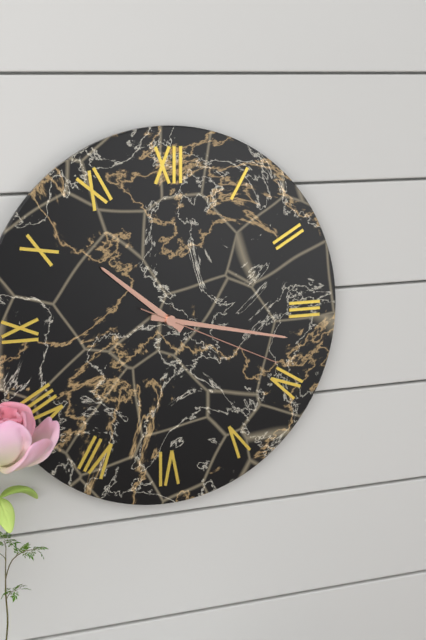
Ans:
10,17,19
